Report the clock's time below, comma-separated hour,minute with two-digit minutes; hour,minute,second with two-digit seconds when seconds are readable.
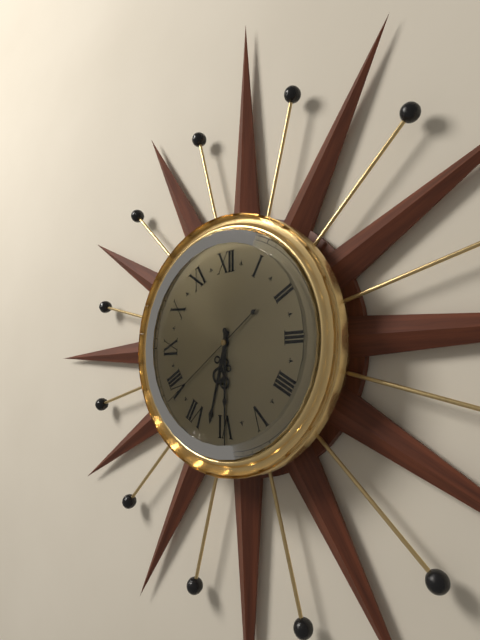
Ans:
6,30,39
